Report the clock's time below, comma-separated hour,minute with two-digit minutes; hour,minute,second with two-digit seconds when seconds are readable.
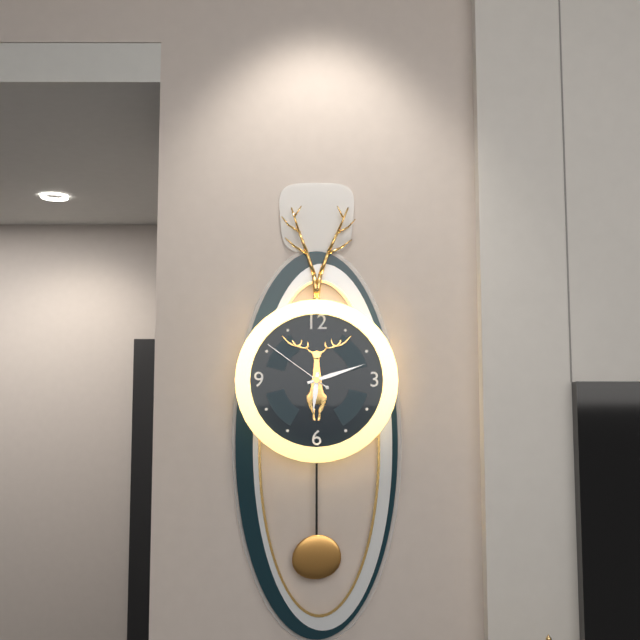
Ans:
6,12,51
